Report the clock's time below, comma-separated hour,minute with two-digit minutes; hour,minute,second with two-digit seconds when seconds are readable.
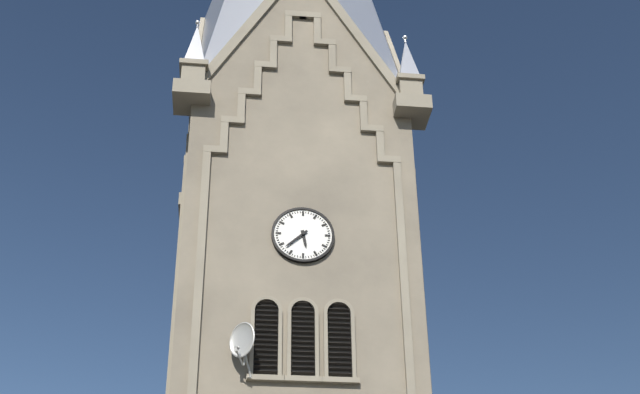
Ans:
5,38
